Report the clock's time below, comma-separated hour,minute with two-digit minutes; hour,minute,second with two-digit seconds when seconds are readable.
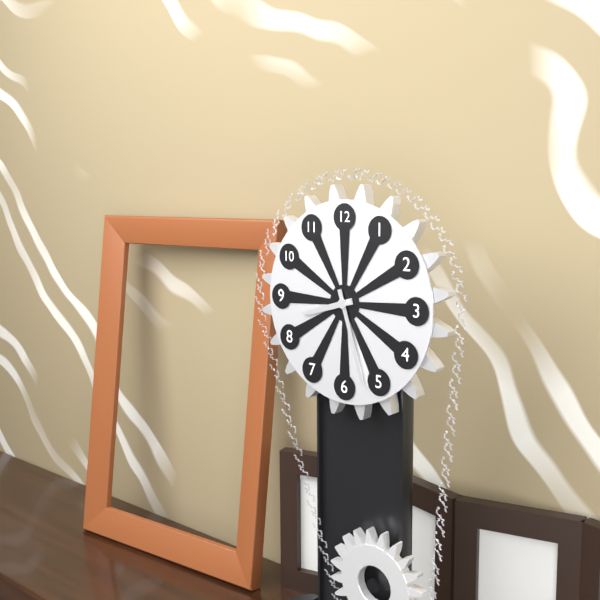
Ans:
8,27
